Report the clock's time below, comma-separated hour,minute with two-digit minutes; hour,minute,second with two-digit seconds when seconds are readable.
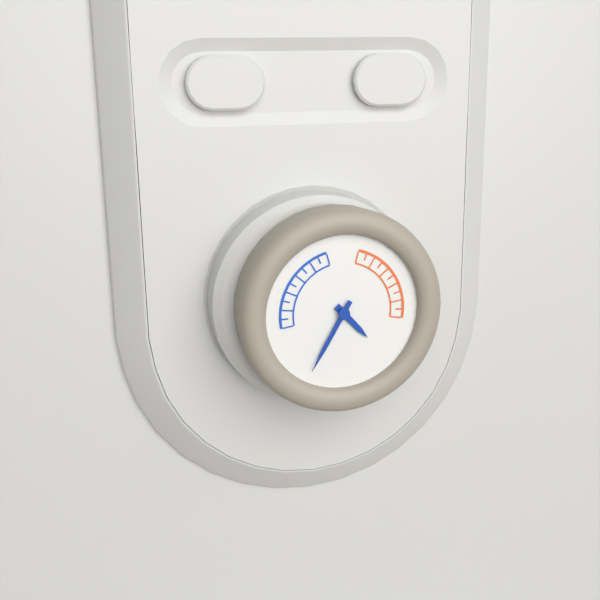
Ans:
4,35
